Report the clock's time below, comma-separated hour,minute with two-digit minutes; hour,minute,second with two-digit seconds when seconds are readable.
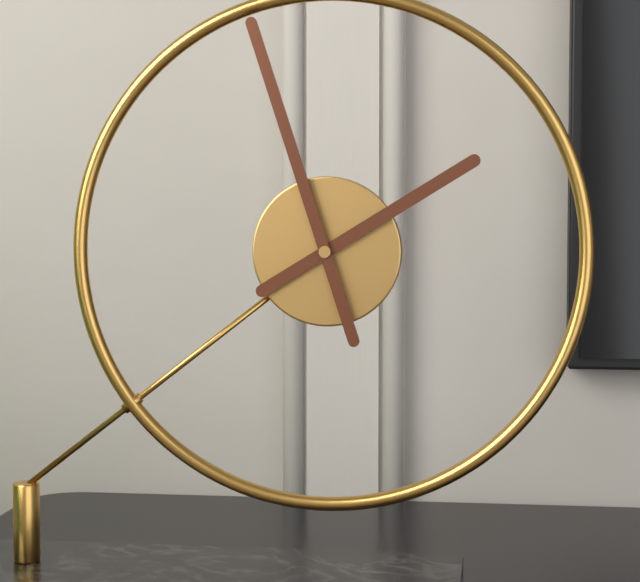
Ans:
1,57
